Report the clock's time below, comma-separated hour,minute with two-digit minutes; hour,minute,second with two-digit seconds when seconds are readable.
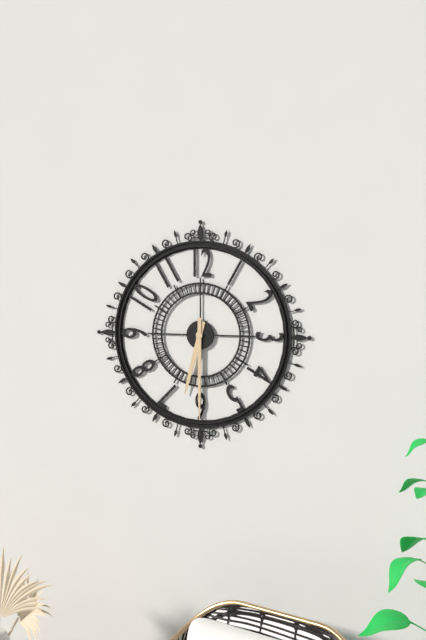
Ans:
6,30
